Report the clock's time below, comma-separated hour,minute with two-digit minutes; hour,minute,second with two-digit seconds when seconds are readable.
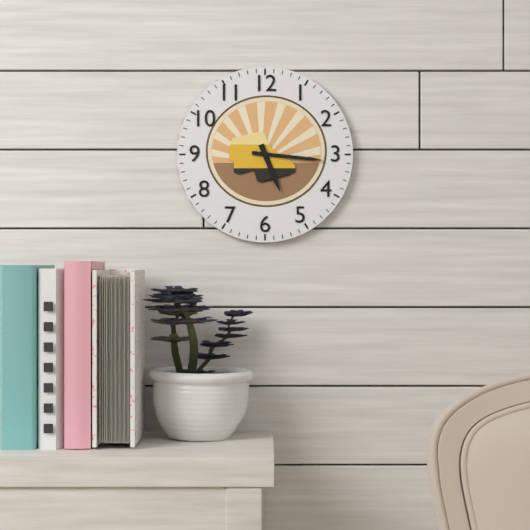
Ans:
5,16
